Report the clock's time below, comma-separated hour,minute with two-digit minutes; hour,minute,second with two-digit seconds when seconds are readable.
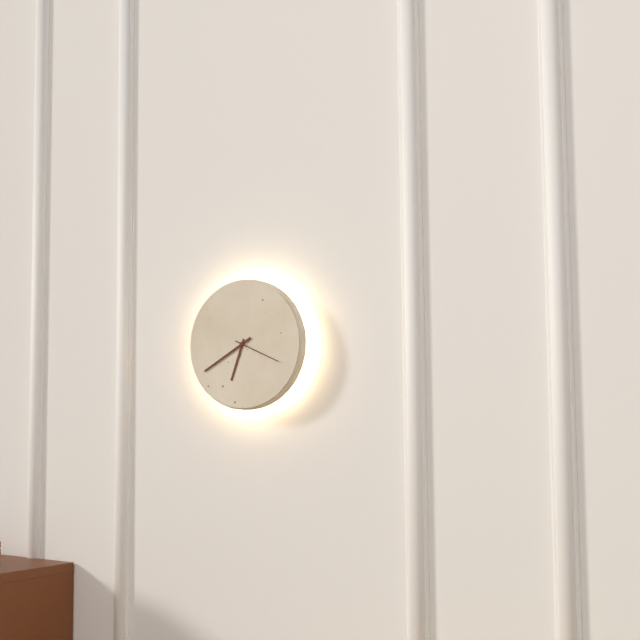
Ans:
6,40,19
